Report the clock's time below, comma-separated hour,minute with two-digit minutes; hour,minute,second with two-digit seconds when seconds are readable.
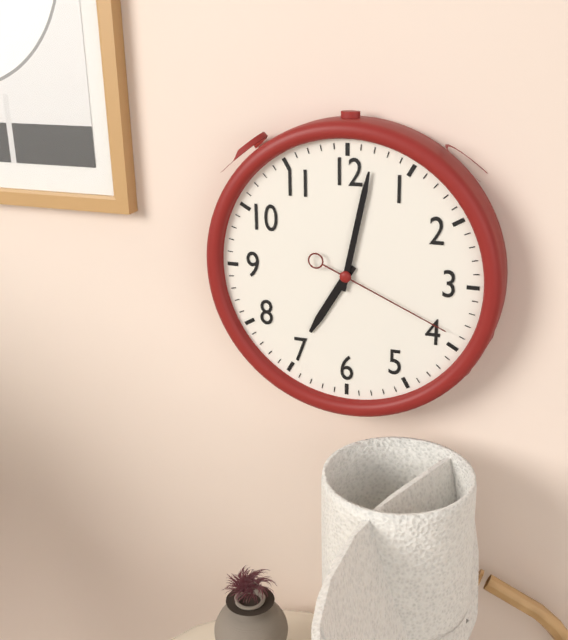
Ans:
7,02,19
